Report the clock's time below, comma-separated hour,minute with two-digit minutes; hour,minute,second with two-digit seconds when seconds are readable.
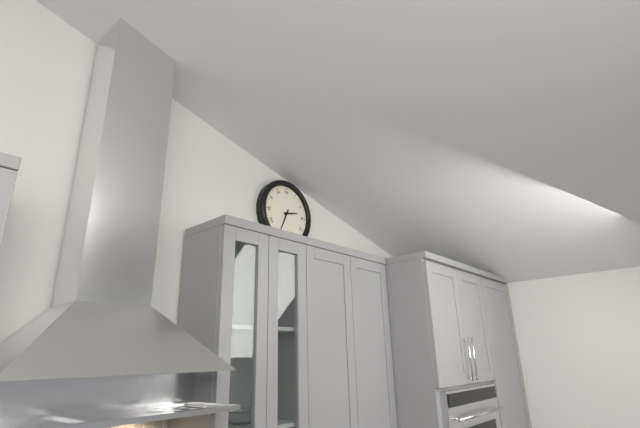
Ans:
2,34
